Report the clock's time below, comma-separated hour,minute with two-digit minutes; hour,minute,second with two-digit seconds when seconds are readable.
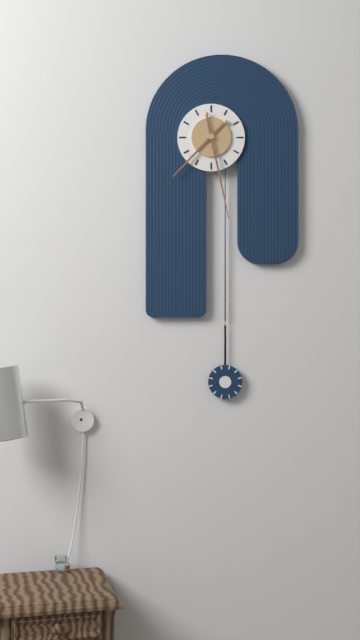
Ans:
7,28
